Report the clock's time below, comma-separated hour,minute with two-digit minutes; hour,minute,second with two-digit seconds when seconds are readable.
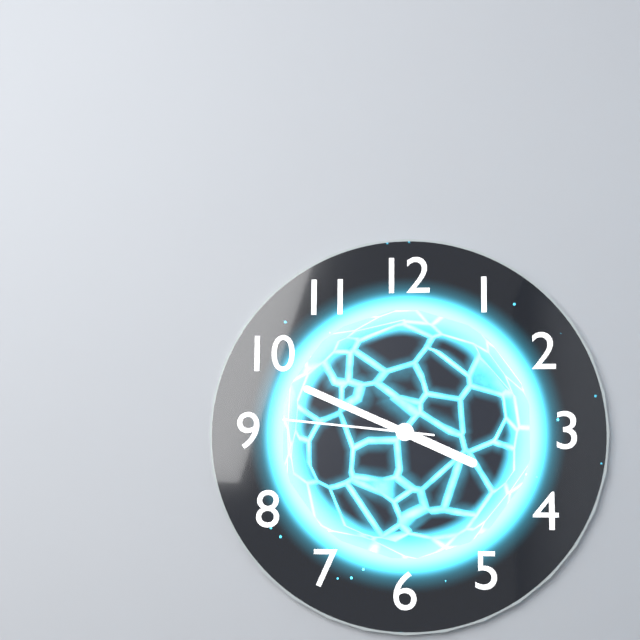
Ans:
3,49,46
